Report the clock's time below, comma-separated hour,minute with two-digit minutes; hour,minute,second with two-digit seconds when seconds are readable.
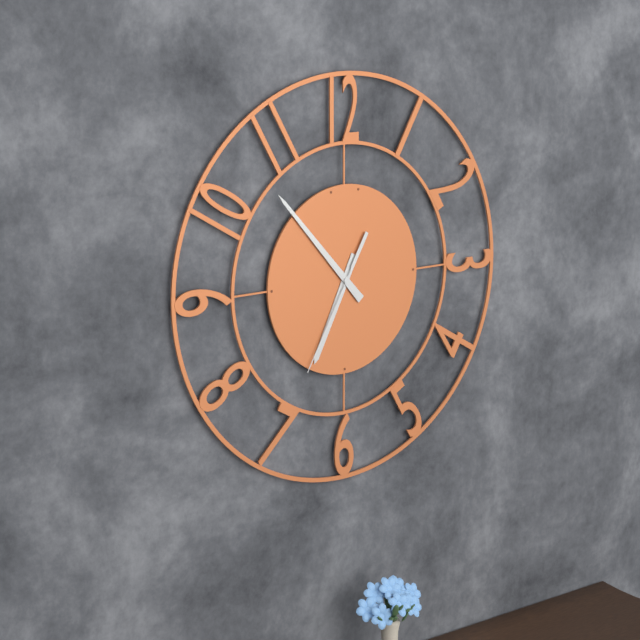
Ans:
6,53,35
